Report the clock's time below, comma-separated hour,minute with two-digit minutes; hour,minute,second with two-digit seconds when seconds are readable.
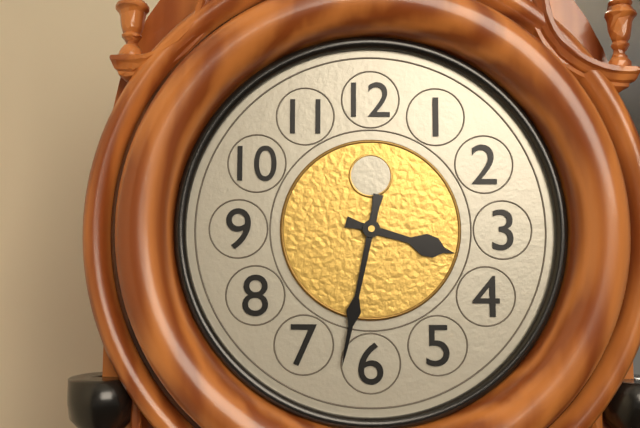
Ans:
3,32
